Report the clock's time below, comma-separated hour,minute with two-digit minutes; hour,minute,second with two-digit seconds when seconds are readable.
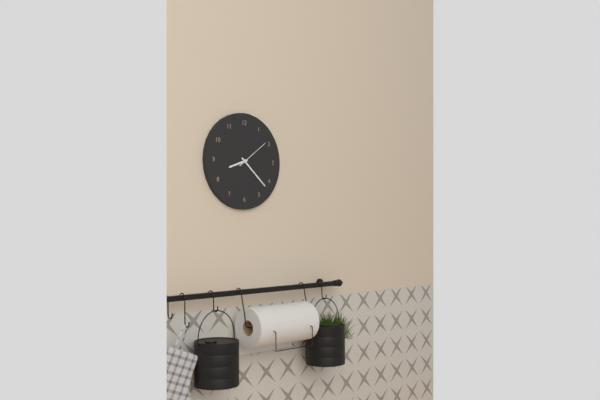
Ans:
8,22
